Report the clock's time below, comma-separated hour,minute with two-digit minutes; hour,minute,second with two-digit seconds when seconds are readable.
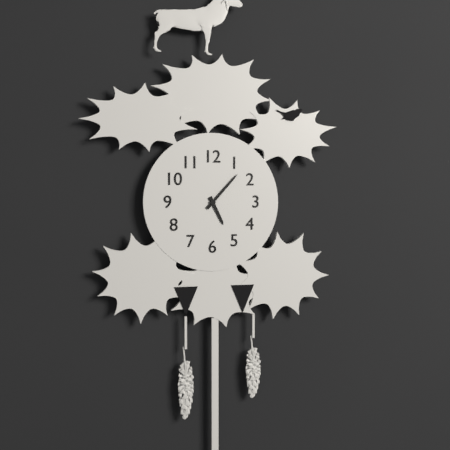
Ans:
5,07
